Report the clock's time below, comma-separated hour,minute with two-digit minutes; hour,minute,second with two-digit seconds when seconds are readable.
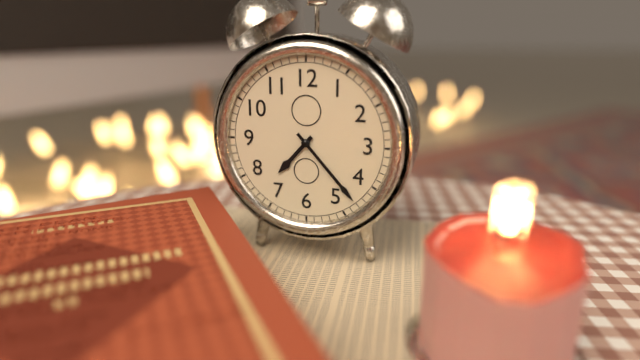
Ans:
7,23
